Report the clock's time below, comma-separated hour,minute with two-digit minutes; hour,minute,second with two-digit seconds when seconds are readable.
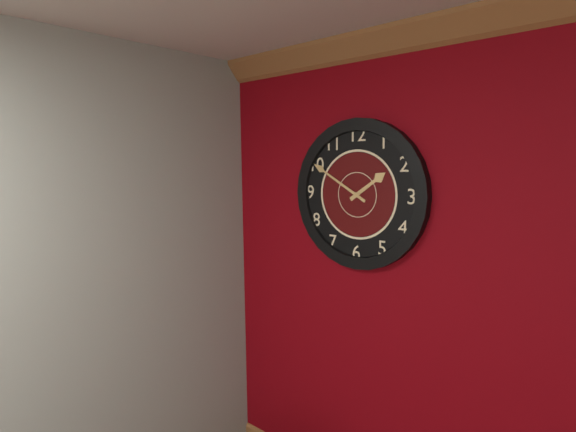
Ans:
1,50
